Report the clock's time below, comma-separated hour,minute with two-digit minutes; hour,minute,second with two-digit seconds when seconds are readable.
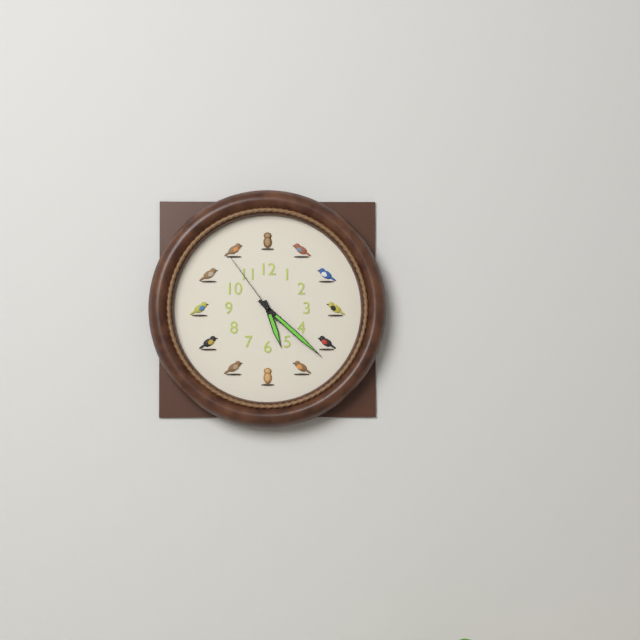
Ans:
5,22,54
